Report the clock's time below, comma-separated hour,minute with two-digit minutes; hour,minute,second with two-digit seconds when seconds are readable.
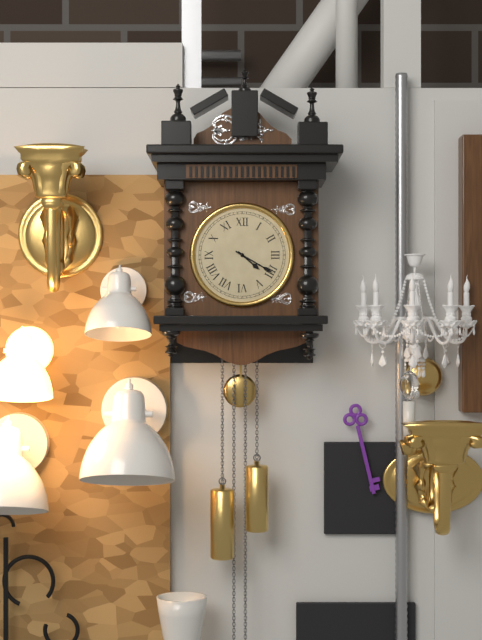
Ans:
4,20
